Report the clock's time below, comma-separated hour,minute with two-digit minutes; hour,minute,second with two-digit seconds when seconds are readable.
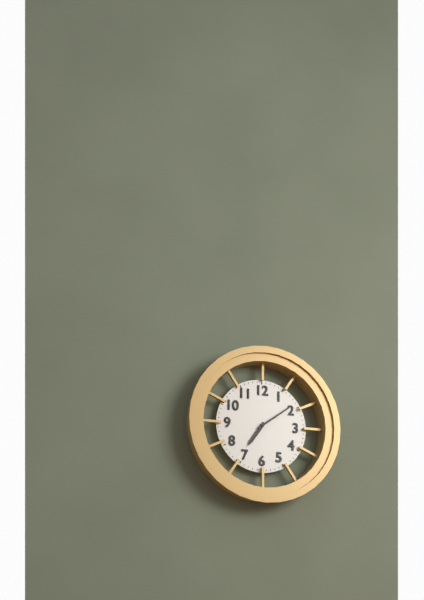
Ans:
7,09
